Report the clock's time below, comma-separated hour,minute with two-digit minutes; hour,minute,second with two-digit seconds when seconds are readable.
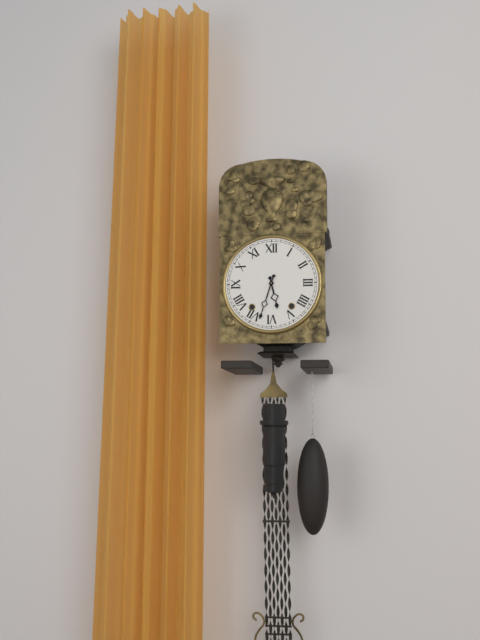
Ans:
5,33
